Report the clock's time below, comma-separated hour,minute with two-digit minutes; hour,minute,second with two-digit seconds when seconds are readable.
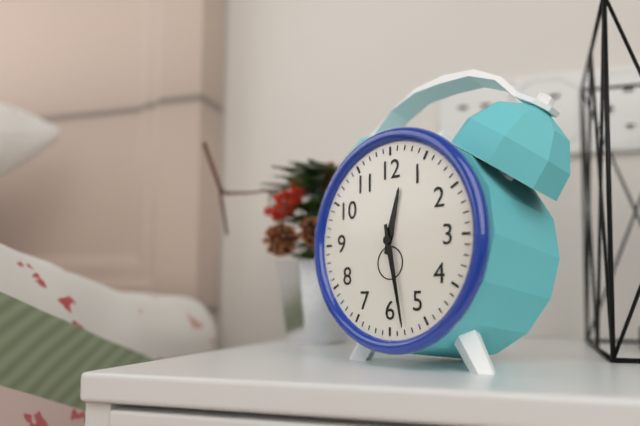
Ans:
12,28
